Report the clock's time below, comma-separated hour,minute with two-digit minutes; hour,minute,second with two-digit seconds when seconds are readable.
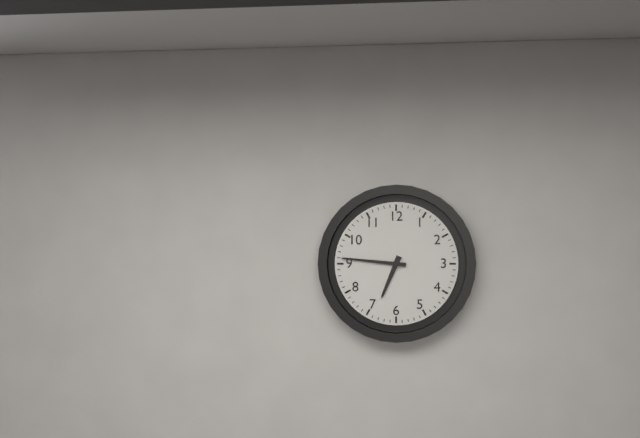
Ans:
6,46
